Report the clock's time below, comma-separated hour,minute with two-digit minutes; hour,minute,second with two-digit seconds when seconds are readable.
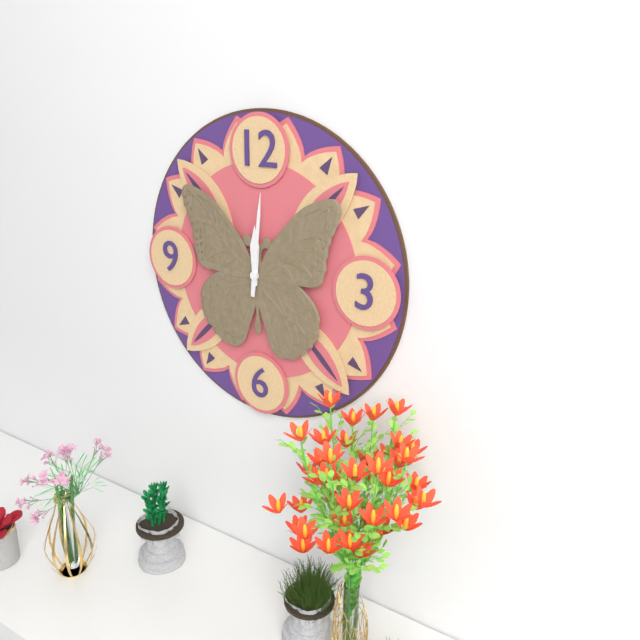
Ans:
12,01
